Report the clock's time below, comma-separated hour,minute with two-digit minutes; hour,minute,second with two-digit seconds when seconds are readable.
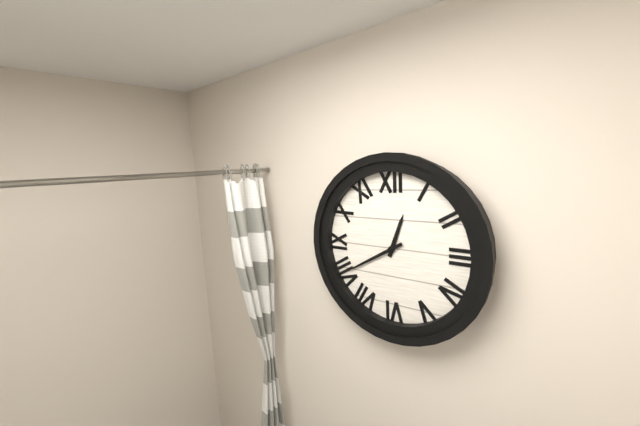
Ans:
12,40
